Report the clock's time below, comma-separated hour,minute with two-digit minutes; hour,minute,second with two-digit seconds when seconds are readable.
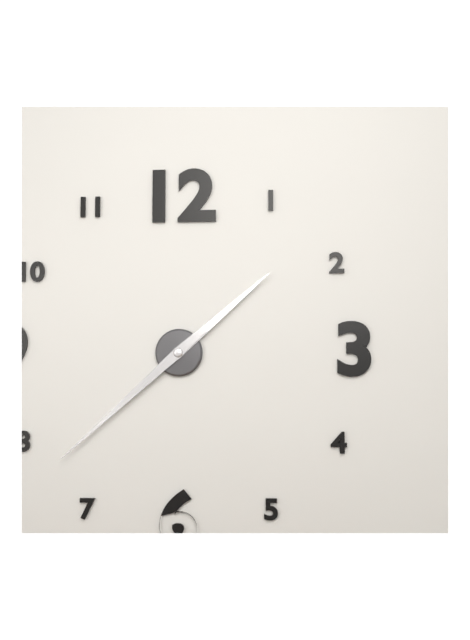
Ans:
1,38
